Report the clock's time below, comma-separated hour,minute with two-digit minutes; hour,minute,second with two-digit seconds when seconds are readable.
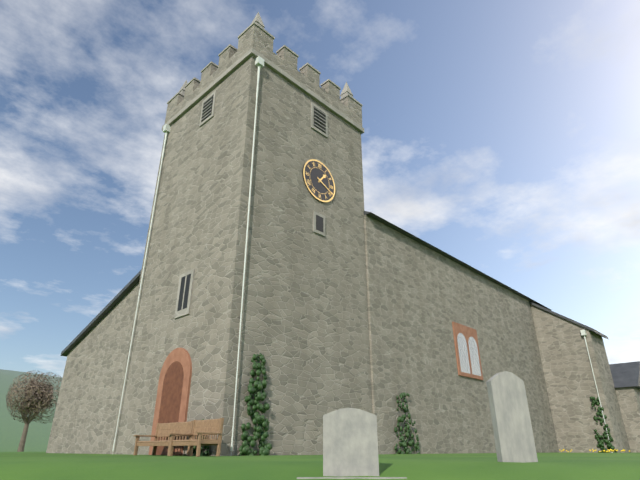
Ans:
1,19
